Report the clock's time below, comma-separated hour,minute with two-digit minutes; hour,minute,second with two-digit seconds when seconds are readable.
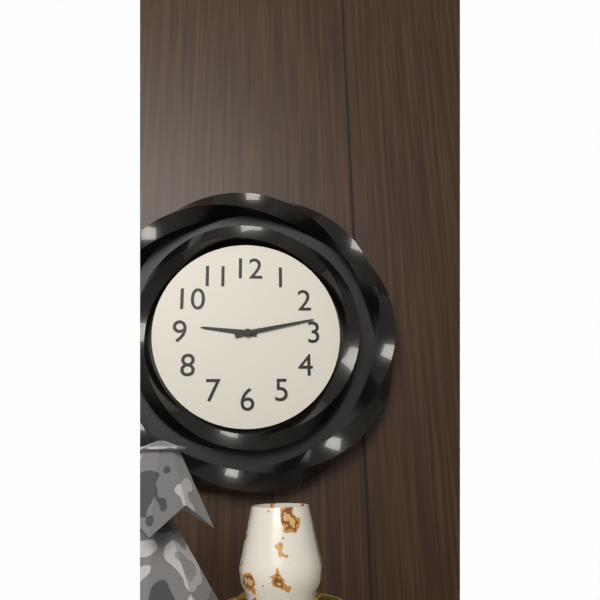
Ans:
9,13
